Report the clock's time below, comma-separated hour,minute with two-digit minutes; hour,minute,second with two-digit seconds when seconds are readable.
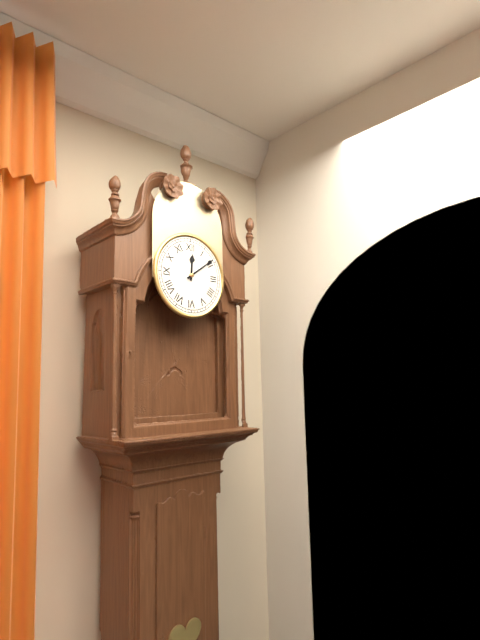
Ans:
12,09
